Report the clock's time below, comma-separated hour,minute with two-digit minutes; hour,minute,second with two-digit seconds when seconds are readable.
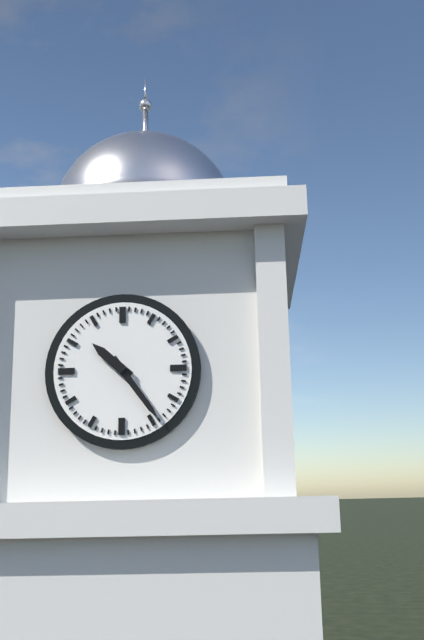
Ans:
10,24
